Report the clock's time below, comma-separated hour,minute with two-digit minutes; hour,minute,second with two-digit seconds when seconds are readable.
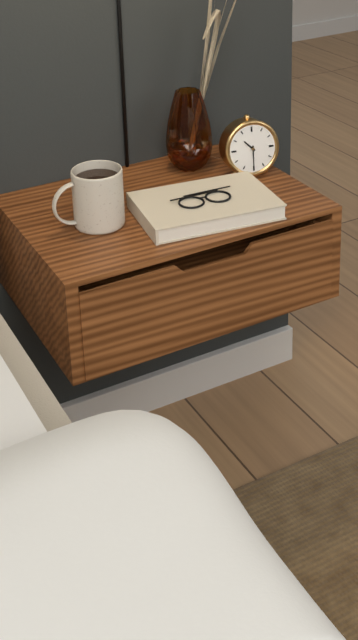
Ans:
10,30
